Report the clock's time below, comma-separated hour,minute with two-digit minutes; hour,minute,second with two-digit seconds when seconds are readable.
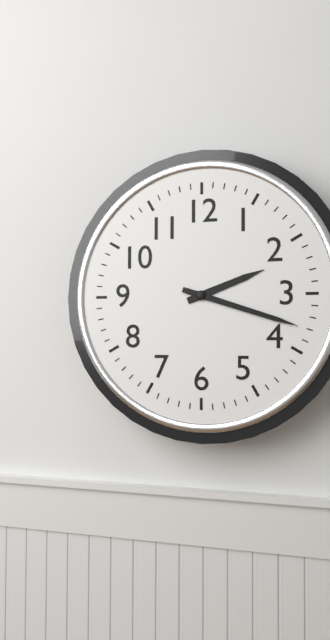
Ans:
2,18
